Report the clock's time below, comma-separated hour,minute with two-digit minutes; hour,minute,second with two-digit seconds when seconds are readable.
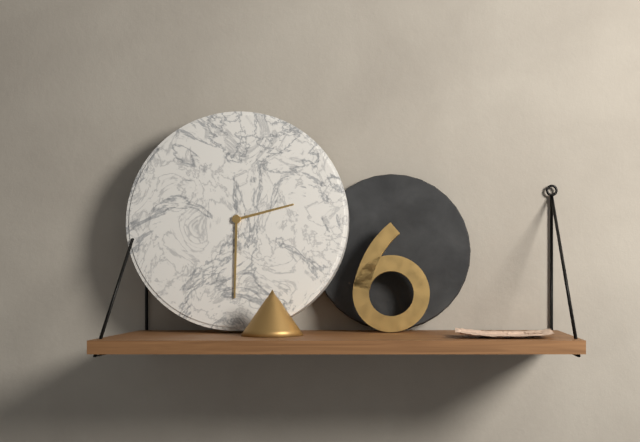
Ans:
2,30
